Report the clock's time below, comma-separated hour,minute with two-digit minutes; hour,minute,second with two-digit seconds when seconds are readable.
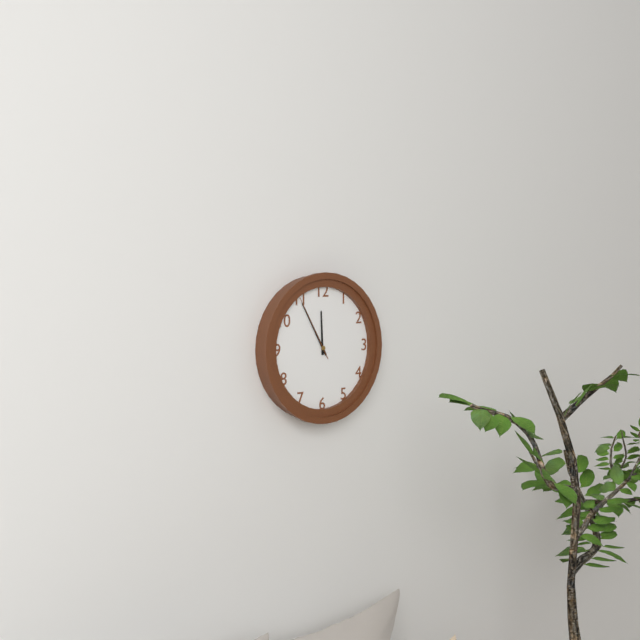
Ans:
11,55,55
